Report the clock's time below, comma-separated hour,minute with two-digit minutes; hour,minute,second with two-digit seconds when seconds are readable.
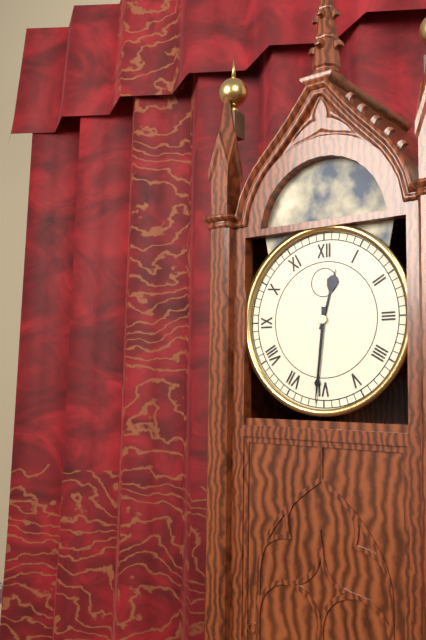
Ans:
12,31
